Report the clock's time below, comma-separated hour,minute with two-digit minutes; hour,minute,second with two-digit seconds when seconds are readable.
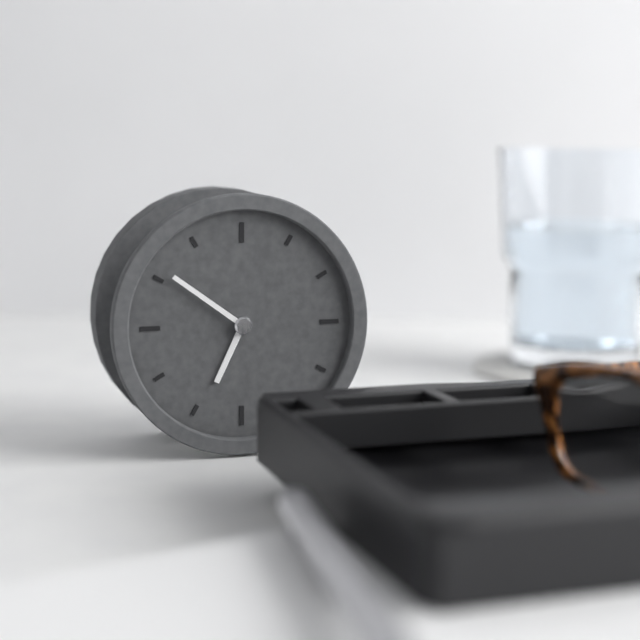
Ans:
6,51
